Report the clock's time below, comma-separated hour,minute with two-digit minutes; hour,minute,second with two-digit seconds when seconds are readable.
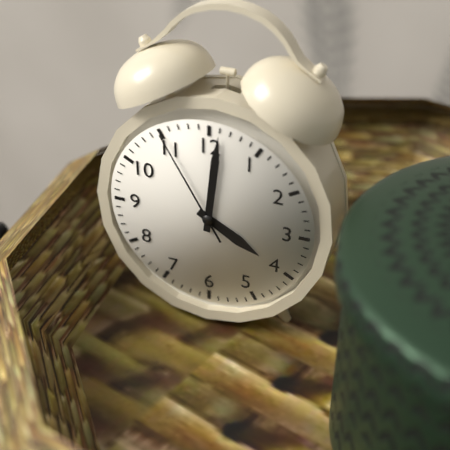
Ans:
4,01,55
